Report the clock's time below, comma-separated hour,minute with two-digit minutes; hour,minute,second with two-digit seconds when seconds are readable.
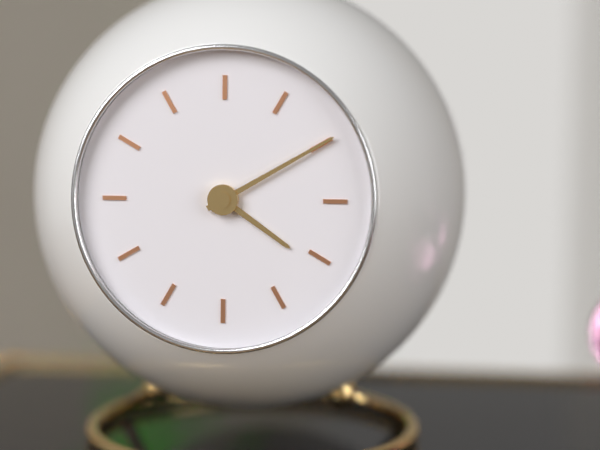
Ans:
4,10
